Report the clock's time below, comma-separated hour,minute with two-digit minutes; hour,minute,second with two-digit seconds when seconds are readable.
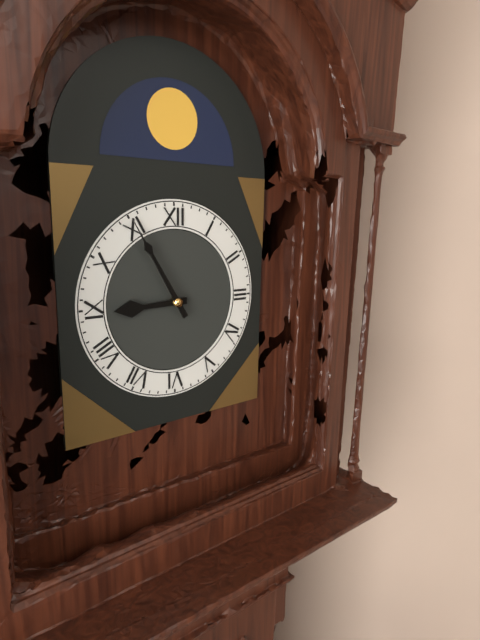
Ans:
8,55
